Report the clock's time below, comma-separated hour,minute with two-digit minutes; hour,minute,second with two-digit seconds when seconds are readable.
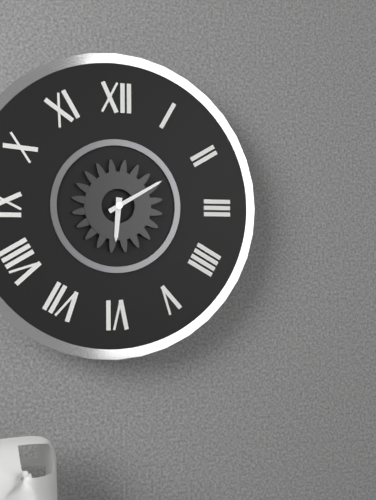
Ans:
6,10
